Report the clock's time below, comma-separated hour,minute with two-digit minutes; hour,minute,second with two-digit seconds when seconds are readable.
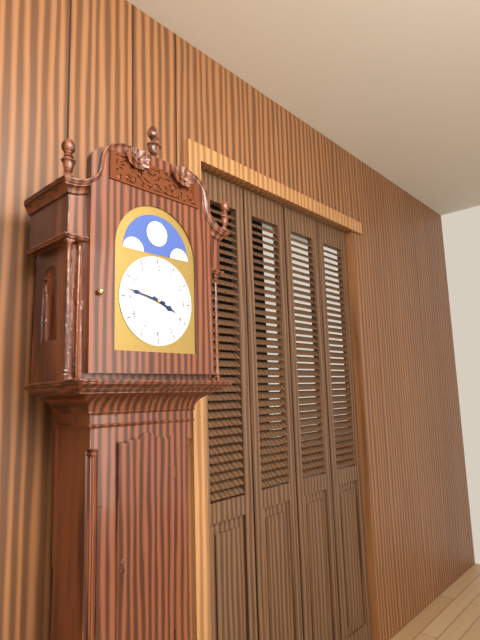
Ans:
3,47
